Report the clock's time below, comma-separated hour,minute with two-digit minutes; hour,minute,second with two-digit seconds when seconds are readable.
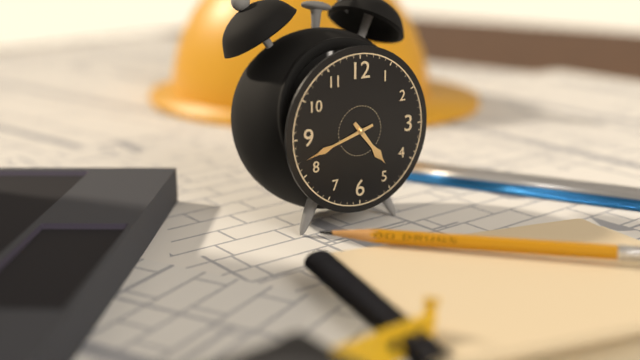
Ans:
4,42
